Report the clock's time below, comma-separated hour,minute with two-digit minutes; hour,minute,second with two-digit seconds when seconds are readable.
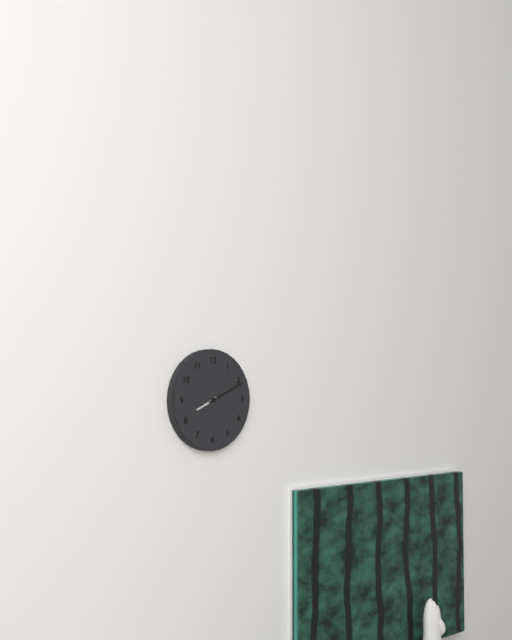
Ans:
8,11
